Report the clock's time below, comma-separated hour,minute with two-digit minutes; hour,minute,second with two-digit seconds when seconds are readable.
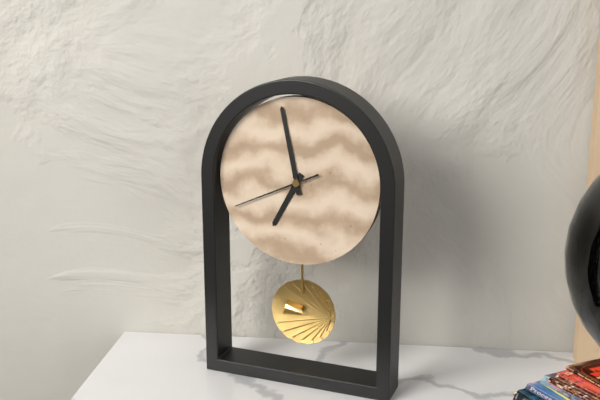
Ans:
6,58,41
